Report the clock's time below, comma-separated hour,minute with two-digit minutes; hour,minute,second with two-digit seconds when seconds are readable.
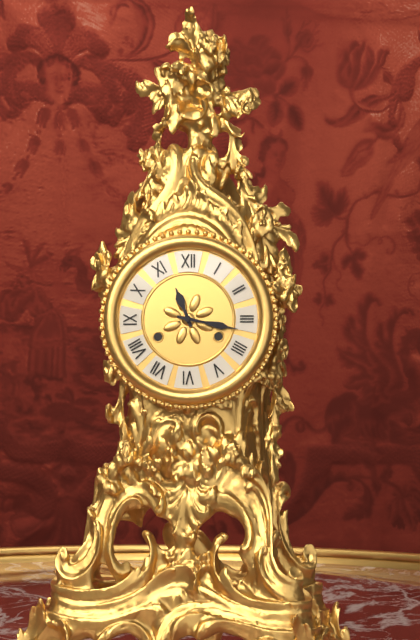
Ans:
11,17
